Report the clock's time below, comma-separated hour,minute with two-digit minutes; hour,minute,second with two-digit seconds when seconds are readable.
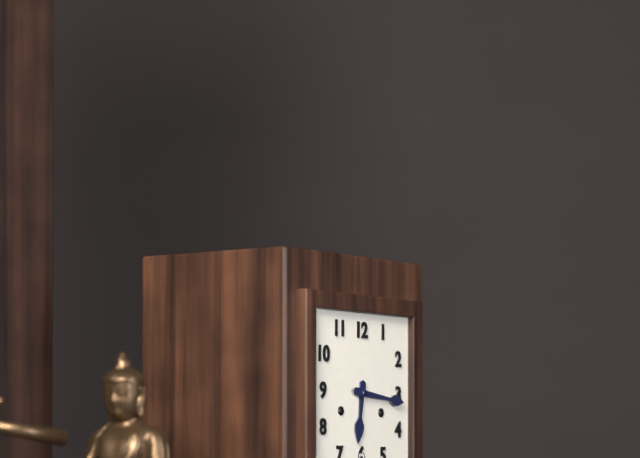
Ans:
6,16
